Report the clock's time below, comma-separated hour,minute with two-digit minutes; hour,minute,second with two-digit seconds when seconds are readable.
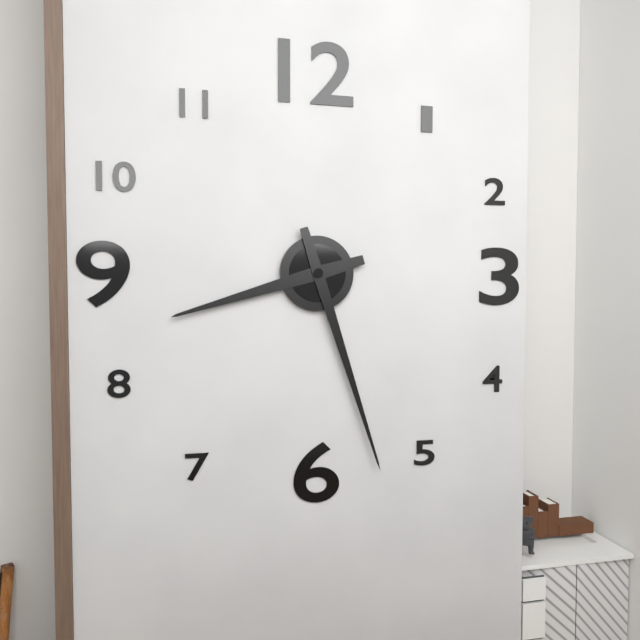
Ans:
8,27
